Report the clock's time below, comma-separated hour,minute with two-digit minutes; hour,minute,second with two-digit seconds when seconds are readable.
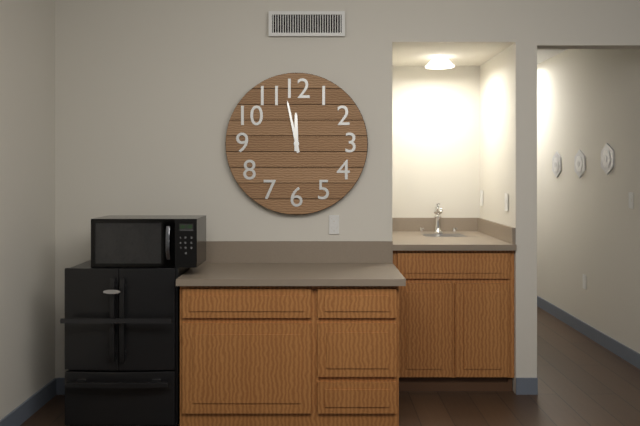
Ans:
11,58
